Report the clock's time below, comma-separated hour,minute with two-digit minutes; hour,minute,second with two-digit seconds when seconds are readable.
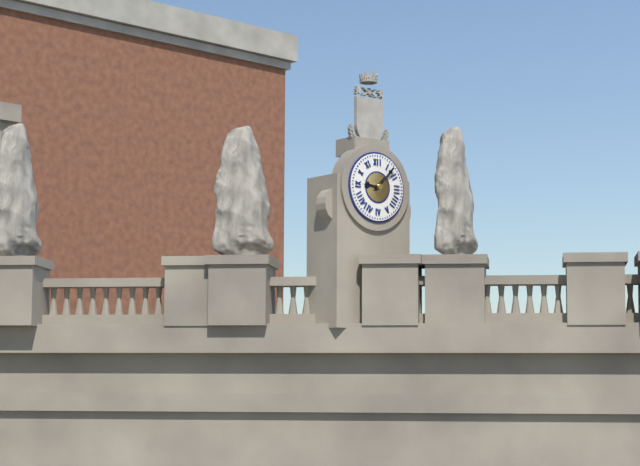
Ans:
9,07
